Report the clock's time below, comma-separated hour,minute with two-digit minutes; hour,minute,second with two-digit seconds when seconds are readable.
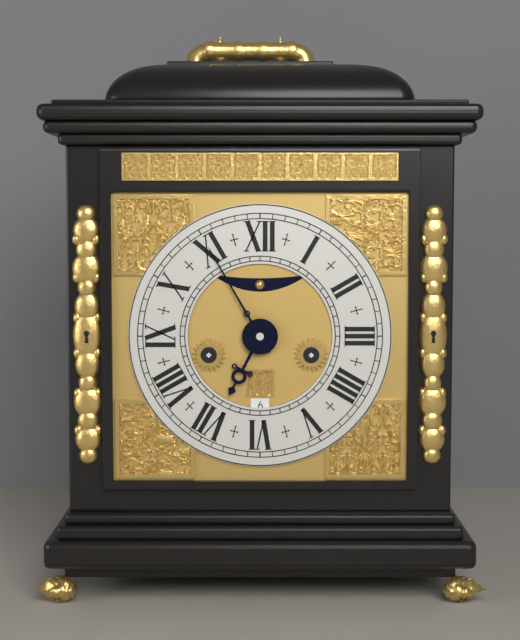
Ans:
6,55
